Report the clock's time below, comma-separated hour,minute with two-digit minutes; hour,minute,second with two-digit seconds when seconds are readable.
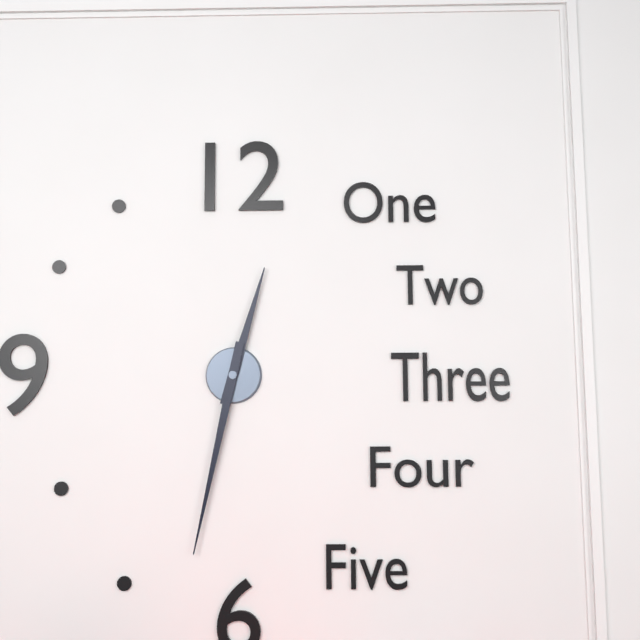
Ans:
12,32
